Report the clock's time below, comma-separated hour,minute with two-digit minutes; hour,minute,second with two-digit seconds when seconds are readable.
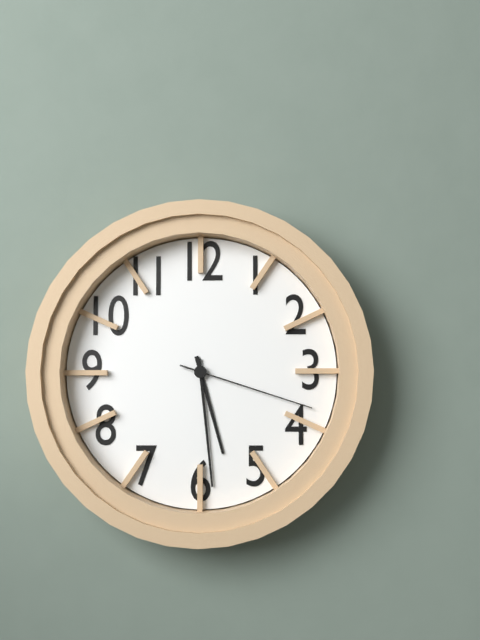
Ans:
5,29,18
